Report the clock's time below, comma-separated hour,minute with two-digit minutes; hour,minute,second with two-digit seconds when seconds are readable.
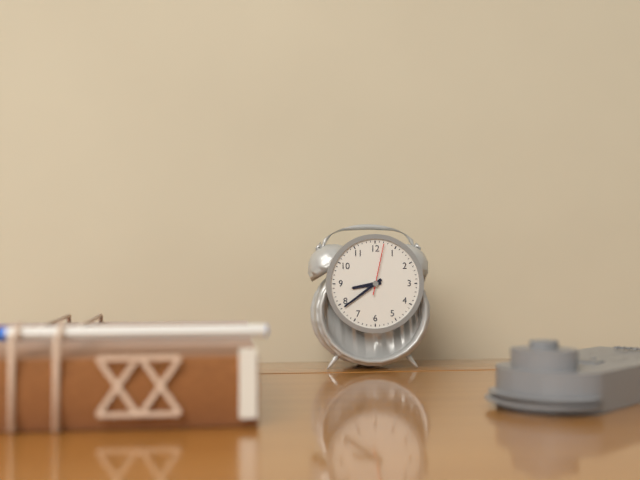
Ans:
8,39,02
